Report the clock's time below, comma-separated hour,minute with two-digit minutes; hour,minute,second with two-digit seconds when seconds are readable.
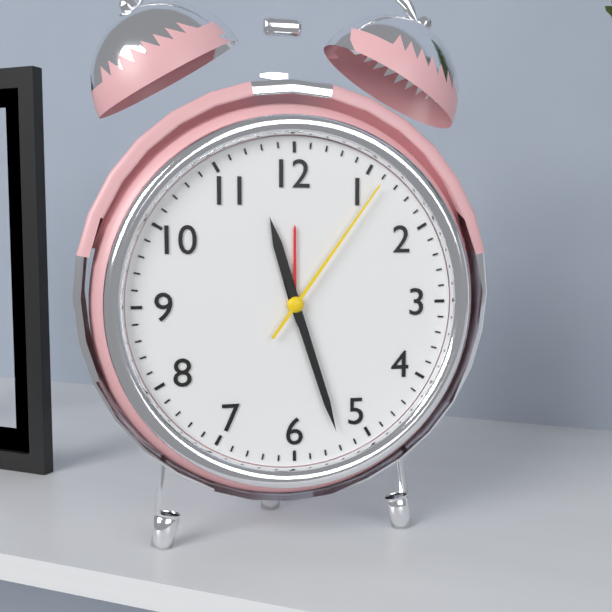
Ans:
11,27,06
